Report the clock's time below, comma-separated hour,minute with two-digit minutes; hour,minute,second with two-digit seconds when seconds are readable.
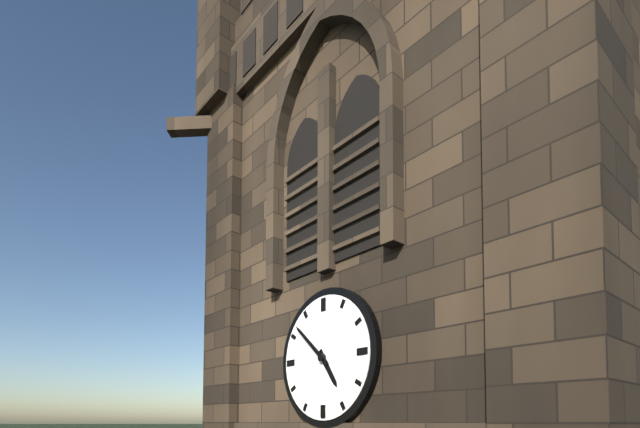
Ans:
4,52
